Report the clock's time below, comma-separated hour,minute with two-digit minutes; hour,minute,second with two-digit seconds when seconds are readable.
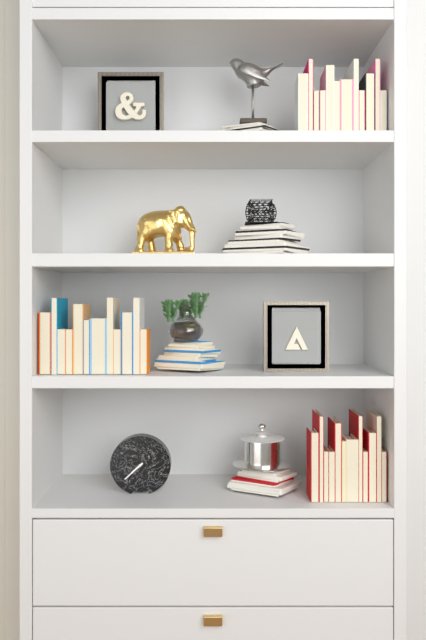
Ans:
7,38
